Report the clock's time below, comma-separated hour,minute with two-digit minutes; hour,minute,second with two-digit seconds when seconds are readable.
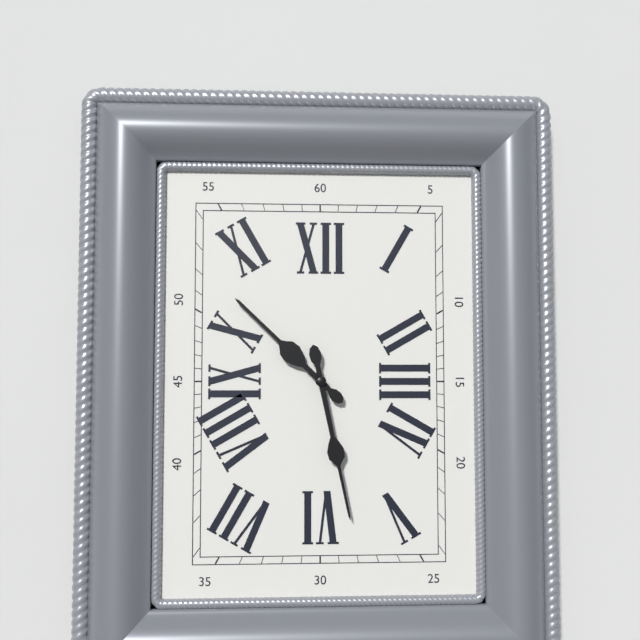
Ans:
10,28
